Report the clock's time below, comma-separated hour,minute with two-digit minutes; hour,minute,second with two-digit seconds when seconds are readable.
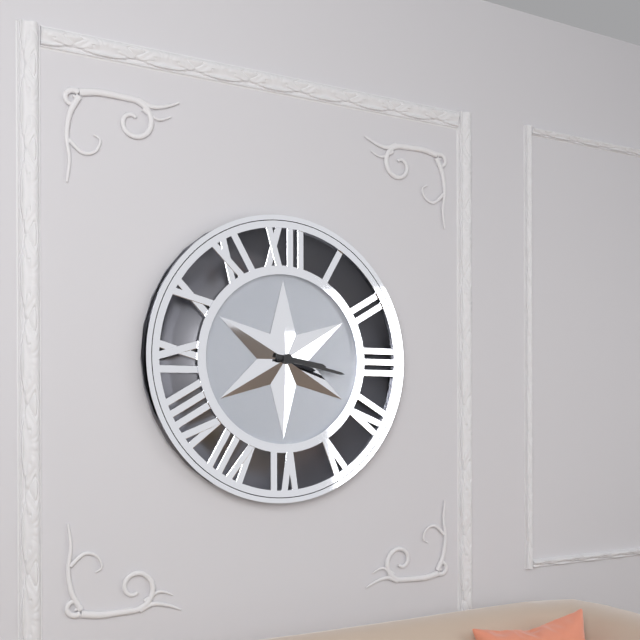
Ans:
3,17
